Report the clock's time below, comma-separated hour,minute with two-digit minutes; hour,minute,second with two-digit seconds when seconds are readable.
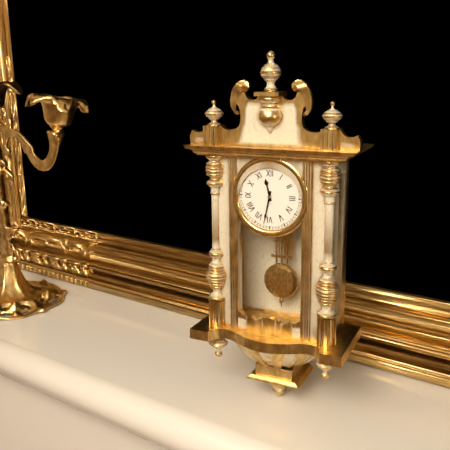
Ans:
11,32
